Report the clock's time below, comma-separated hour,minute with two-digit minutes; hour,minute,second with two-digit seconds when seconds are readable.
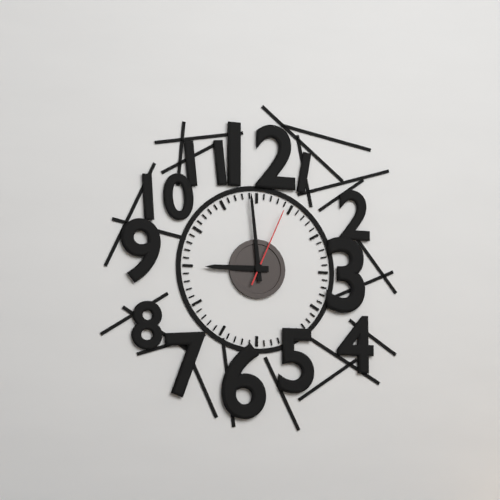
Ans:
8,59,04
